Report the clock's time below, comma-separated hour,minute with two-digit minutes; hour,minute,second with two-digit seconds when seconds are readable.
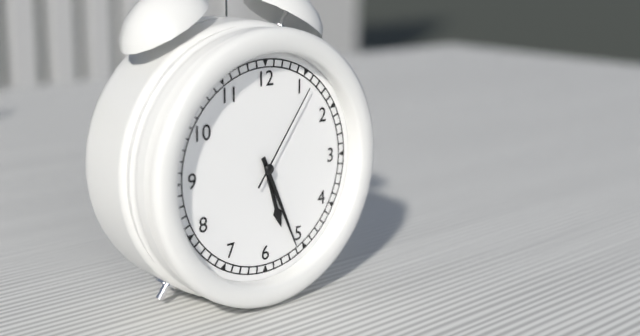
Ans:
5,26,06
